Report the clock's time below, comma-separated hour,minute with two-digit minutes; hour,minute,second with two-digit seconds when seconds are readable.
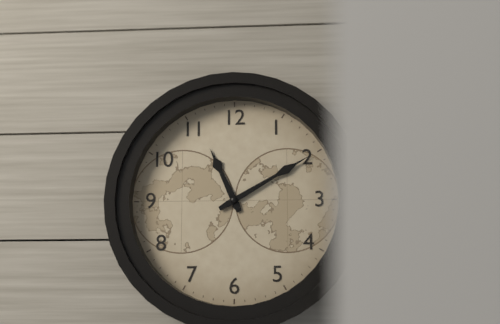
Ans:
11,10
